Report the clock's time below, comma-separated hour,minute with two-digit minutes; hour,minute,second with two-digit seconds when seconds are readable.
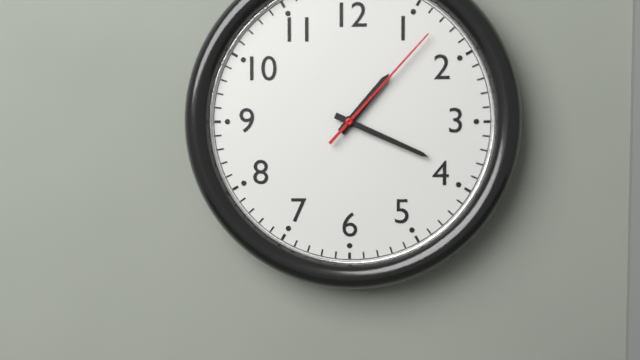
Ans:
1,19,07
